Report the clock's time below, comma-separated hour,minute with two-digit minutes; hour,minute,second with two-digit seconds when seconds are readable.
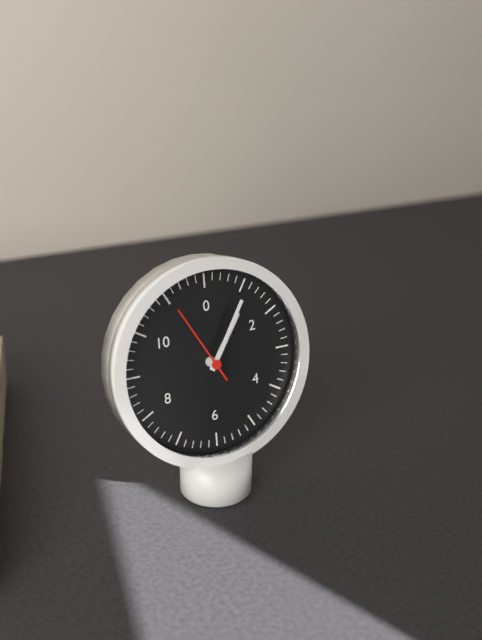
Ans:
1,05,55
